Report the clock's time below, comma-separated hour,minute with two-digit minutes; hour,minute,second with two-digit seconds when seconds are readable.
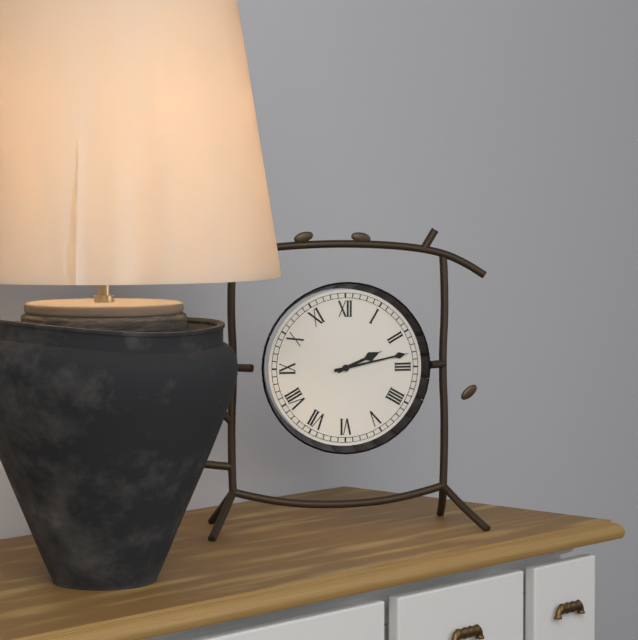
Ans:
2,13
